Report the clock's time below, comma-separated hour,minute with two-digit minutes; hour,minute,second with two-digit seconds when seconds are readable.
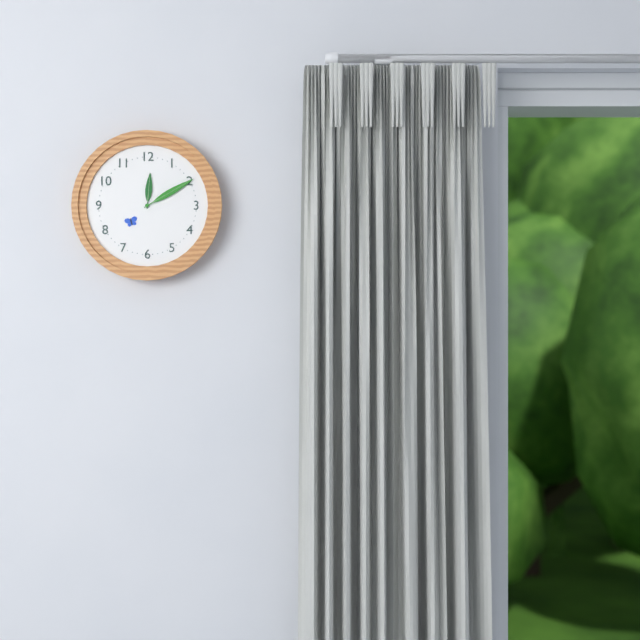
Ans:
12,10
